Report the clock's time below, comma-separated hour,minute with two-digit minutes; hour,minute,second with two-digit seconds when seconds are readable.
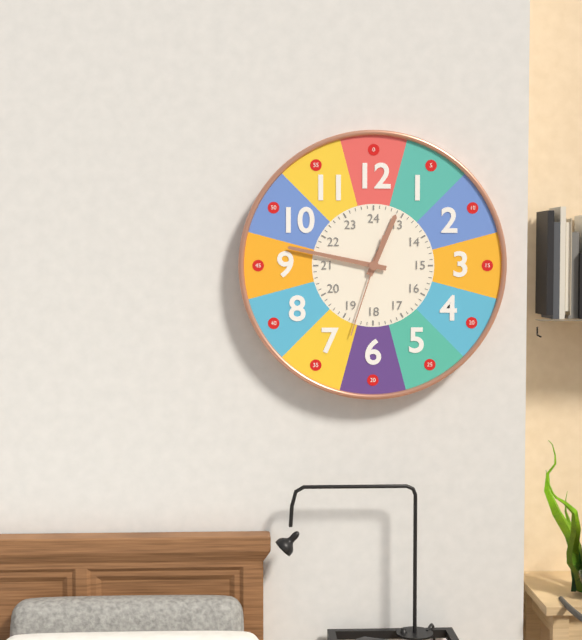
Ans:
12,47,33
